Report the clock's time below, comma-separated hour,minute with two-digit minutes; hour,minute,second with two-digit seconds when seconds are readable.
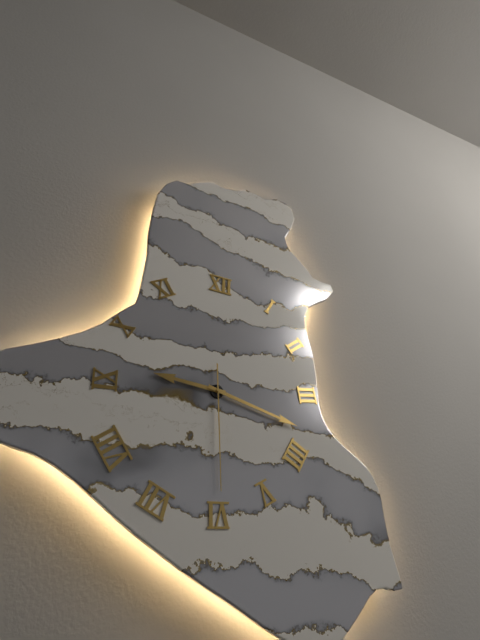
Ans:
9,18,30
